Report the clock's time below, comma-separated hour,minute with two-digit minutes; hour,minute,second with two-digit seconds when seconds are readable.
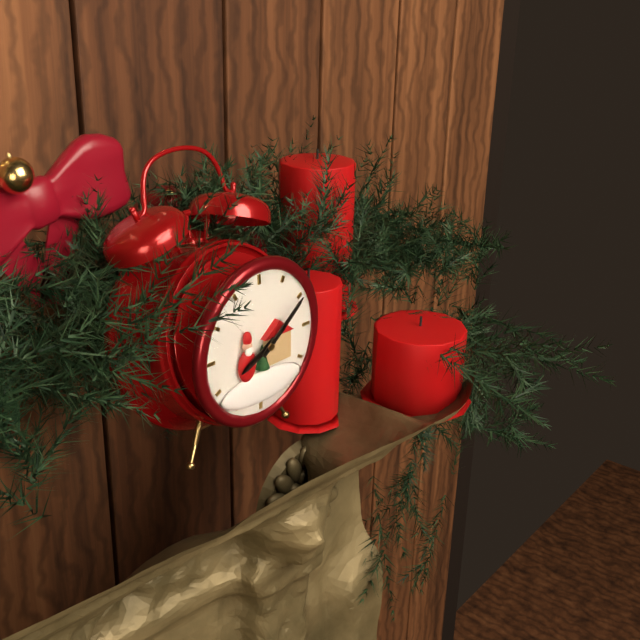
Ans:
8,09
